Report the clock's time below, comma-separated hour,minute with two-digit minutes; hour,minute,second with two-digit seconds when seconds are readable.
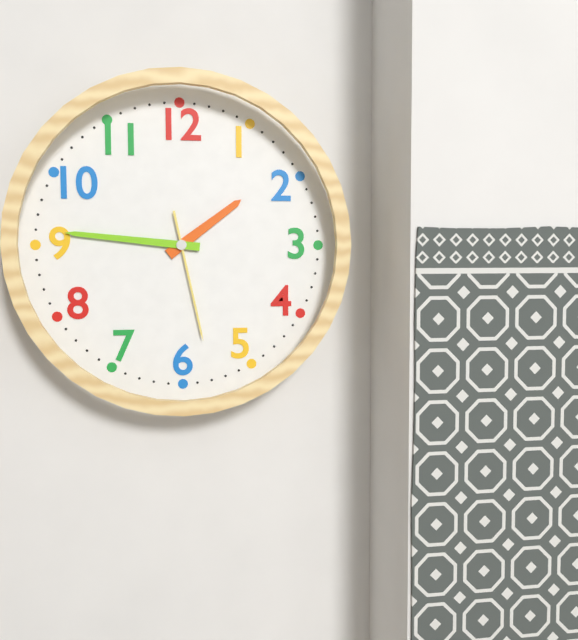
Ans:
1,46,28
